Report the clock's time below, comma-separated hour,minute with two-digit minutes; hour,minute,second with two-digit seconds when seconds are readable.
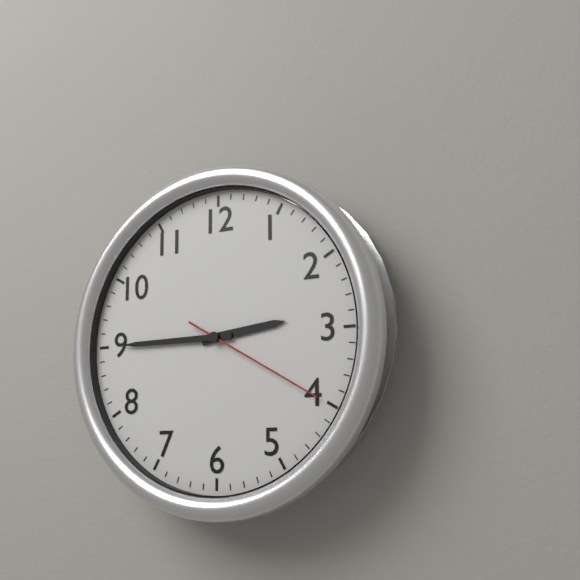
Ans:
2,45,20
